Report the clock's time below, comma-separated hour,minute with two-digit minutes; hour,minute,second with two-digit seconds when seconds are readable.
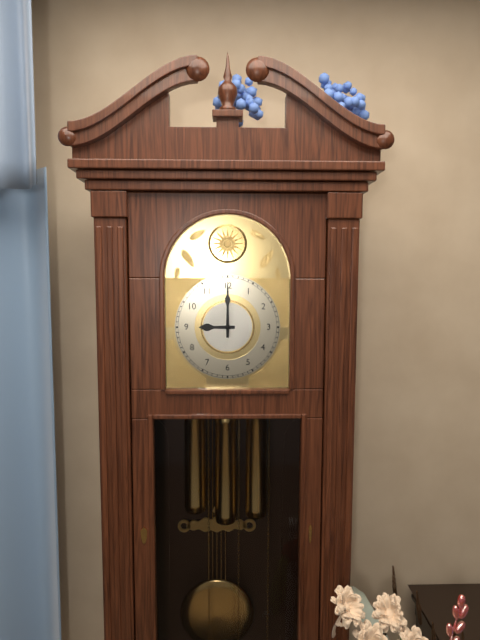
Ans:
9,00
